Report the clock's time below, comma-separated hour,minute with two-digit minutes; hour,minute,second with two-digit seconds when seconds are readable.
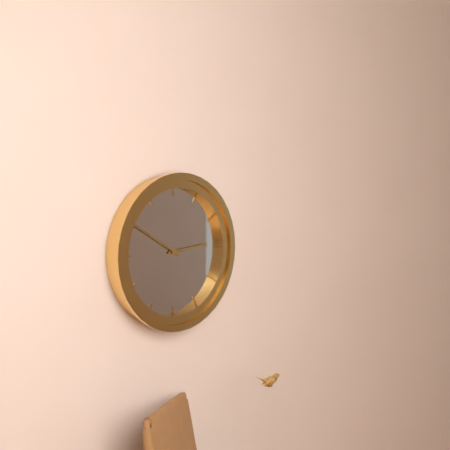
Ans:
2,50
